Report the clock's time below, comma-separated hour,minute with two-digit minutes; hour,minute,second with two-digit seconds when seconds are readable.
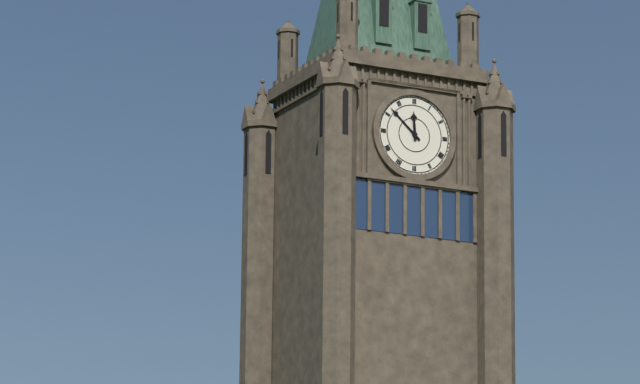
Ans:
11,52
